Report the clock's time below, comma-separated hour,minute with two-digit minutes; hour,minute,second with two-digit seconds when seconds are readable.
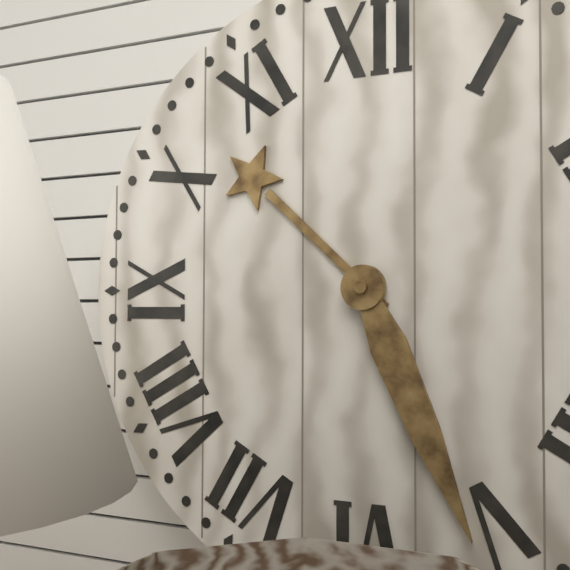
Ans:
10,26
